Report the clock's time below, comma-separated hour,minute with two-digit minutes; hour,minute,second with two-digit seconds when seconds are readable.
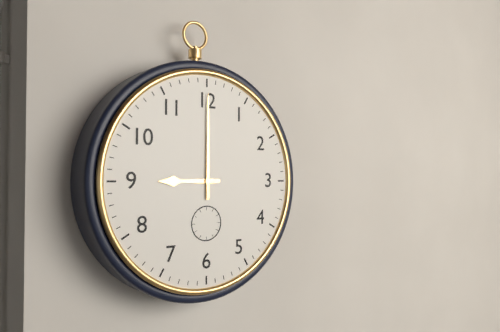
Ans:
9,00
